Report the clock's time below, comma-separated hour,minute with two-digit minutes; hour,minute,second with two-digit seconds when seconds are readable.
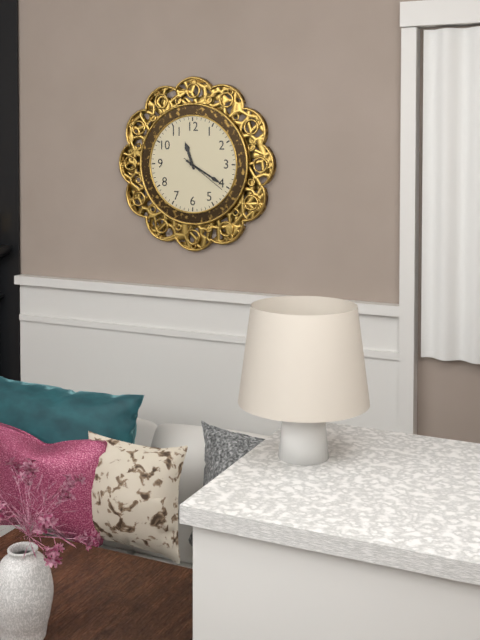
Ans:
11,20
